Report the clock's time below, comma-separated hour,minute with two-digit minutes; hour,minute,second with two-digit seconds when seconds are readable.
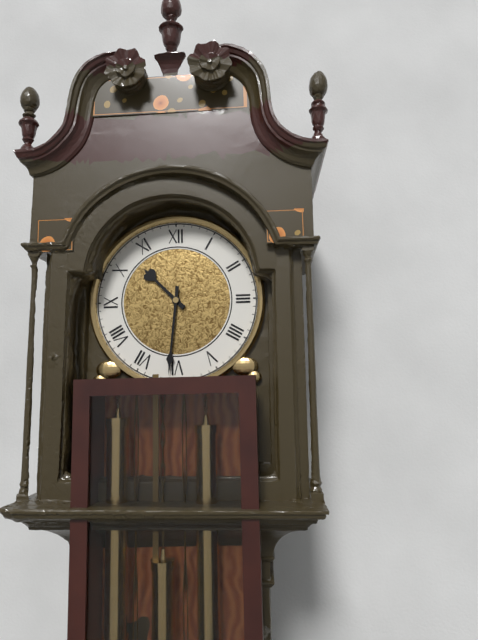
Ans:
10,31
